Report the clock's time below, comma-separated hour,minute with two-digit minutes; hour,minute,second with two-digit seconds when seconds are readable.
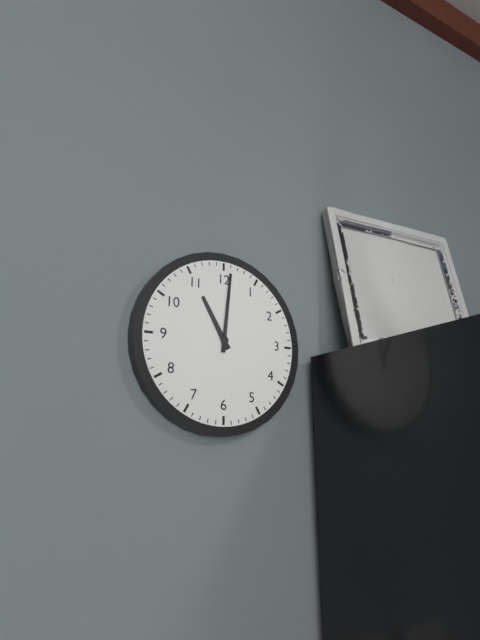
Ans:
11,01
